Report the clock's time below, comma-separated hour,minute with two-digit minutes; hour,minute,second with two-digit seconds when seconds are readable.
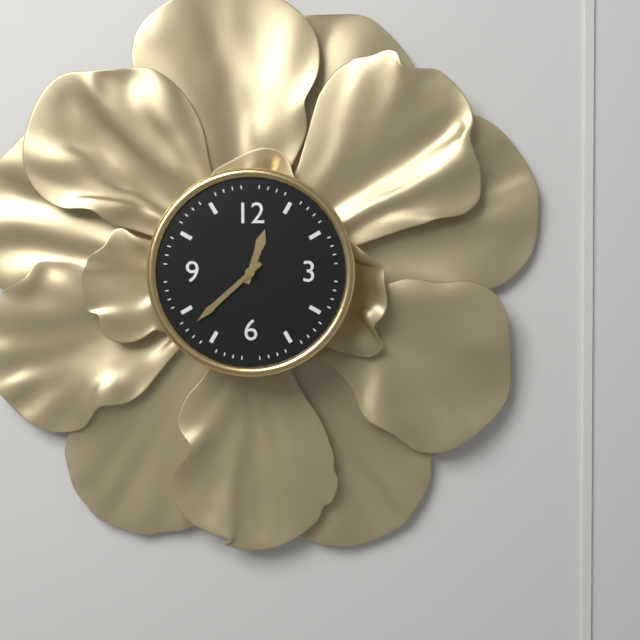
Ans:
12,38
